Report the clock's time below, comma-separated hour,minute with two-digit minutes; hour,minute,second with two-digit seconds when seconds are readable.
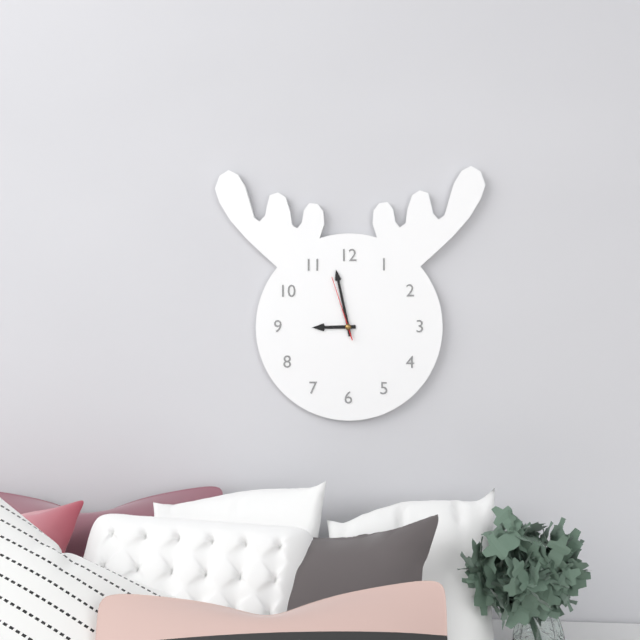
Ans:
8,58,57
